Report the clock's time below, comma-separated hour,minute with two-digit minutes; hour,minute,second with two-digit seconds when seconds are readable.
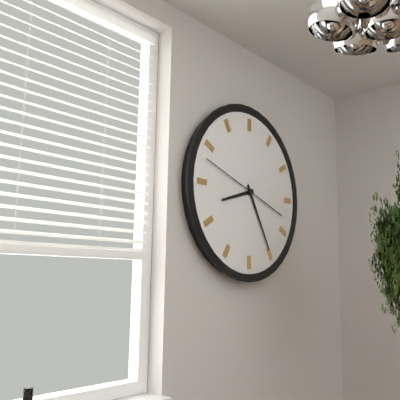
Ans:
8,25,48
